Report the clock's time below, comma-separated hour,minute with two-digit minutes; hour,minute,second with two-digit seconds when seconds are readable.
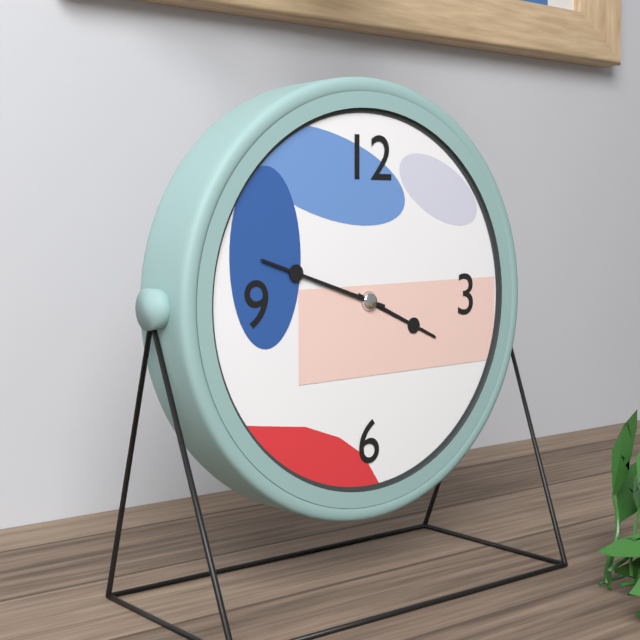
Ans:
3,48
